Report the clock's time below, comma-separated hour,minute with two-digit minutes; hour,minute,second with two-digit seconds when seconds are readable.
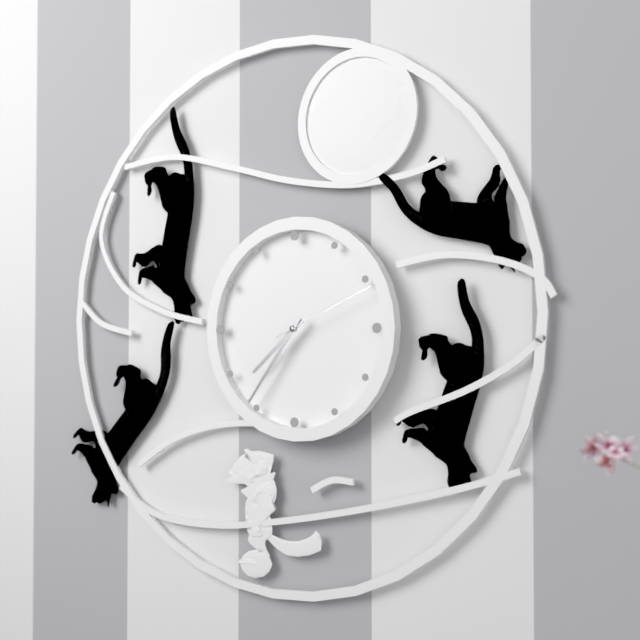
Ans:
7,36,11
